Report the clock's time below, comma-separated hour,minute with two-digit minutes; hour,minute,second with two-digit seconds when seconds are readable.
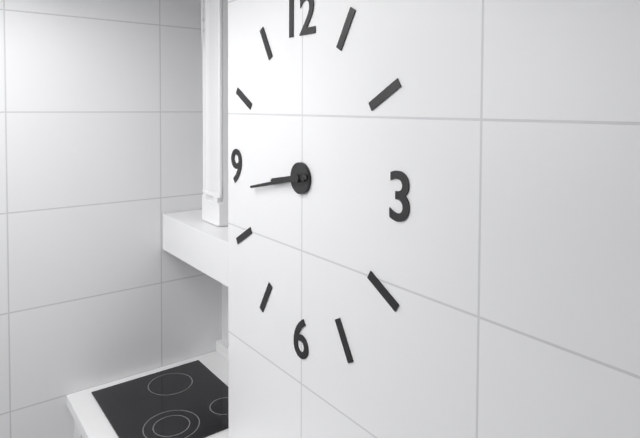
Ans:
8,43
